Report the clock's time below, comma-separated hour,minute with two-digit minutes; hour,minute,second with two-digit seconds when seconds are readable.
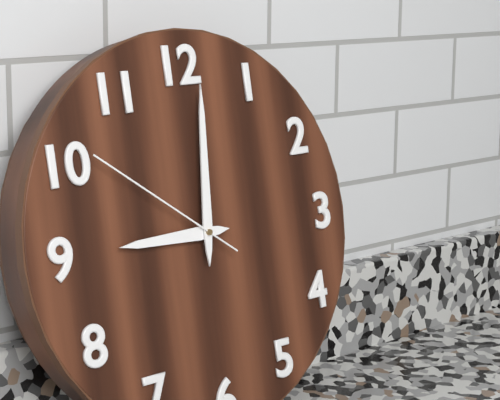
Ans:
9,01,51
